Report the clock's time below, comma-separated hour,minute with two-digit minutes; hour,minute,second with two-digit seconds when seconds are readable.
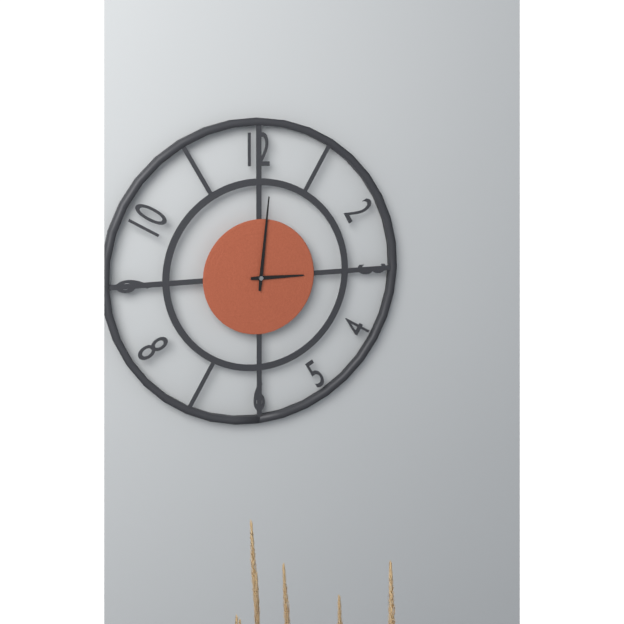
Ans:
3,01
